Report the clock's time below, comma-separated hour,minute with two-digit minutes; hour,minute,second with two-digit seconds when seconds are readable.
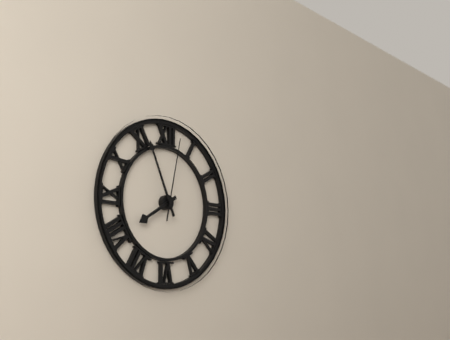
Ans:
7,56,02
